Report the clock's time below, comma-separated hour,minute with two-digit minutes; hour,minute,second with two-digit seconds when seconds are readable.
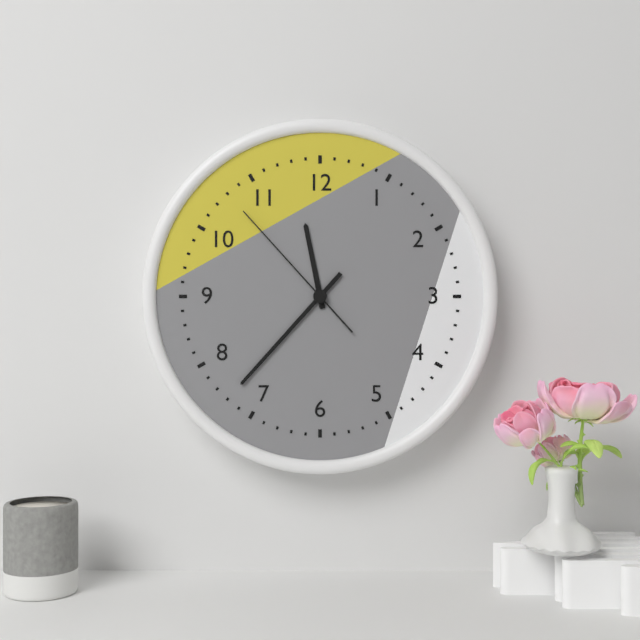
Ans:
11,37,53
